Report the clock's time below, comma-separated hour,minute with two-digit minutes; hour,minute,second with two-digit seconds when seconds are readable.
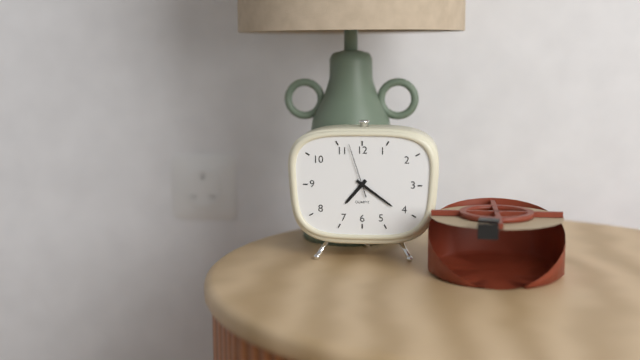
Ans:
7,21,57
